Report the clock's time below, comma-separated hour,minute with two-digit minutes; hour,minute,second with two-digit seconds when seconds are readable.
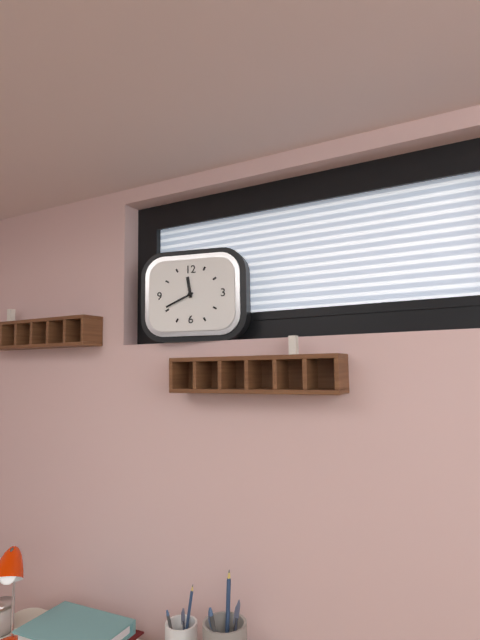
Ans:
11,41
